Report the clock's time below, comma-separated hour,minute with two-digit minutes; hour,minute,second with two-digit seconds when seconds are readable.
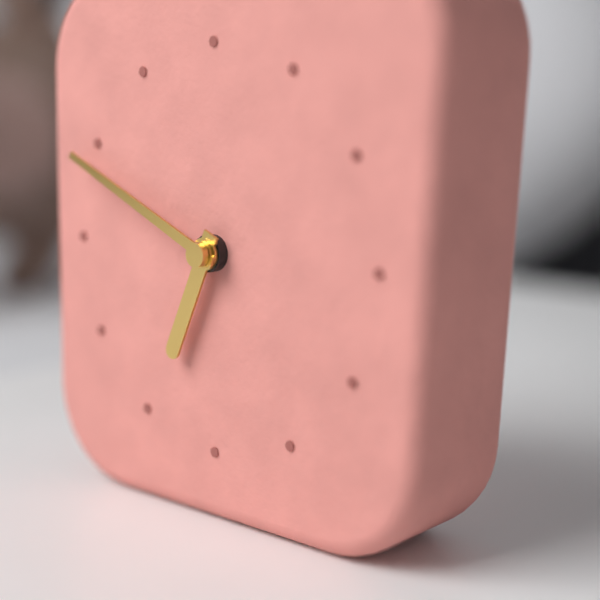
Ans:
6,49
